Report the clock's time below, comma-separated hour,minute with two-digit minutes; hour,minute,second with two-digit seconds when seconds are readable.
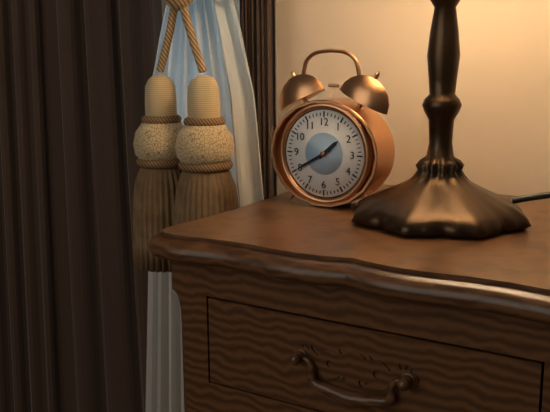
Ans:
1,40
